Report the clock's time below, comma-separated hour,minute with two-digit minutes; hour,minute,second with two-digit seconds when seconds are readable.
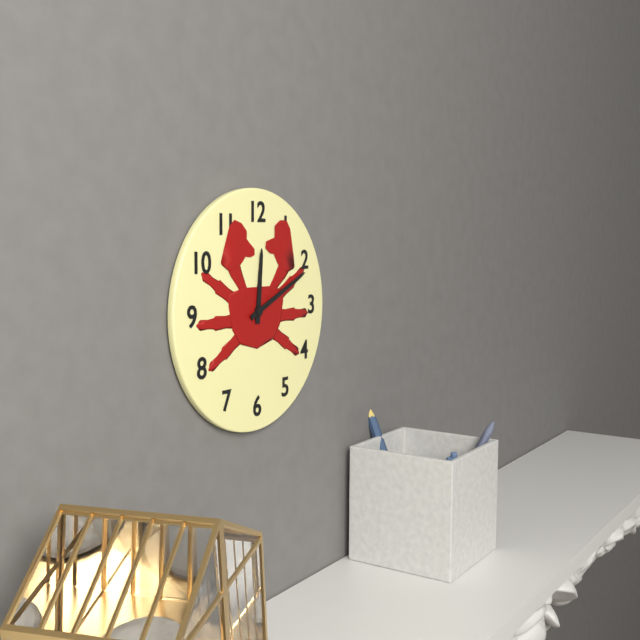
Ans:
12,11
